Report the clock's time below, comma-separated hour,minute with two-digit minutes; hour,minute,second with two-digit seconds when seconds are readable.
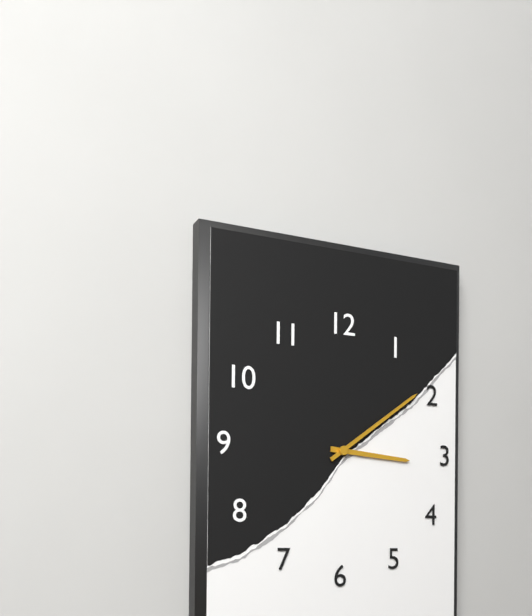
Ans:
3,09
